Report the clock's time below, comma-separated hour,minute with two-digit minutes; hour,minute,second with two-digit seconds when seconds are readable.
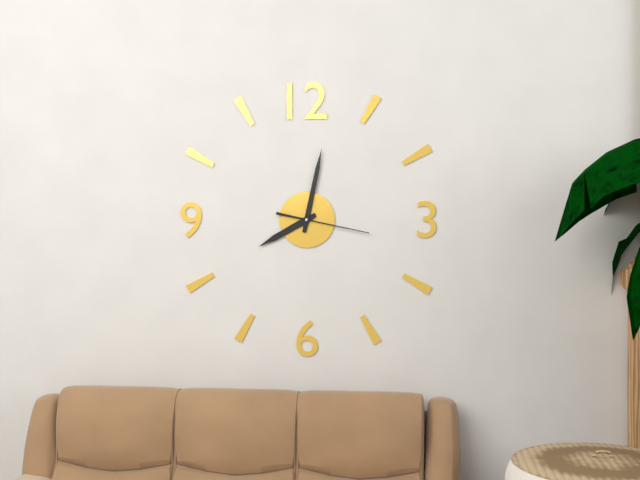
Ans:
8,02,17
